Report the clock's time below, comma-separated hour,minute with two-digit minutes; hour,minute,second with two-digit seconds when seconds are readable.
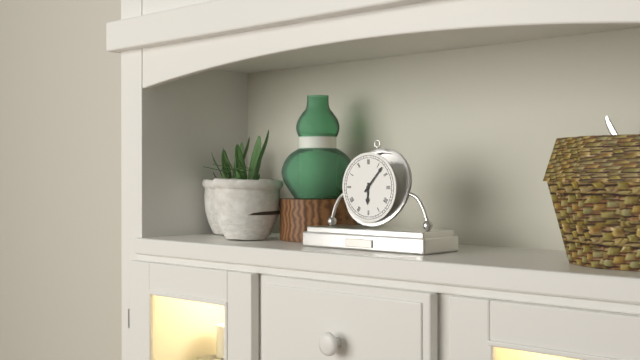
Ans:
6,07
